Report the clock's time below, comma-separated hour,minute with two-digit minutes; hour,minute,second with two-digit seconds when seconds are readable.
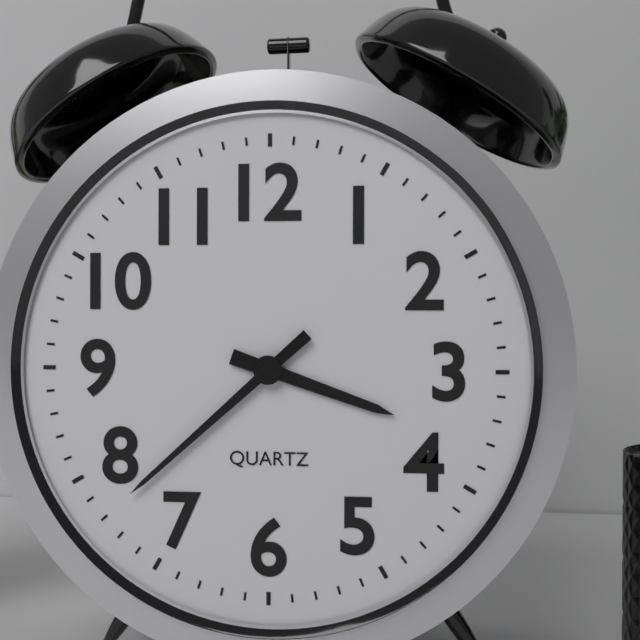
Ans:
3,38
